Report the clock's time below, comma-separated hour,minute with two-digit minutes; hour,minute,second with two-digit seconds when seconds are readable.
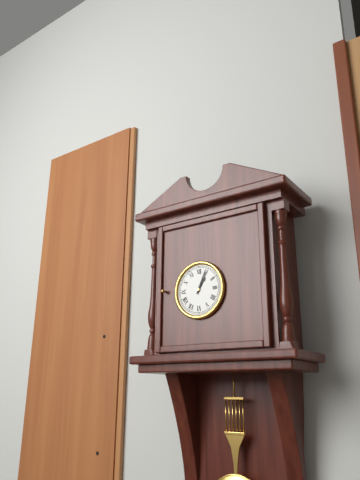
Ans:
1,04
